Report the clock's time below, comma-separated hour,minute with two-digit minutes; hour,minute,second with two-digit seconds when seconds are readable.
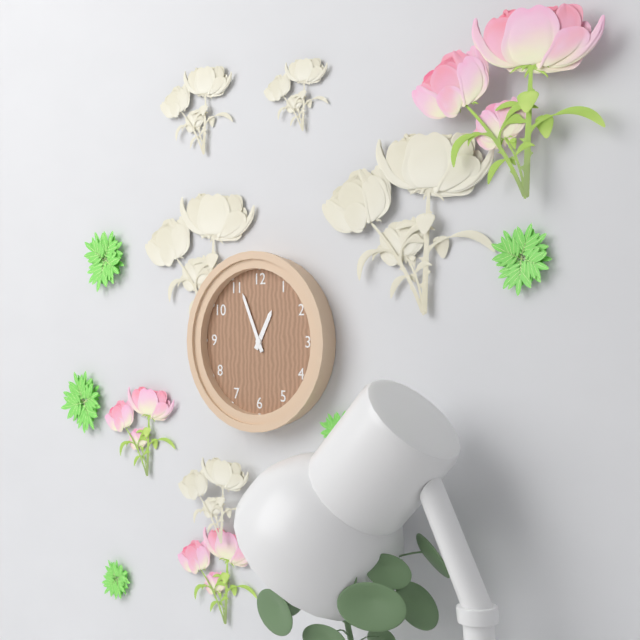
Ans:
12,56
